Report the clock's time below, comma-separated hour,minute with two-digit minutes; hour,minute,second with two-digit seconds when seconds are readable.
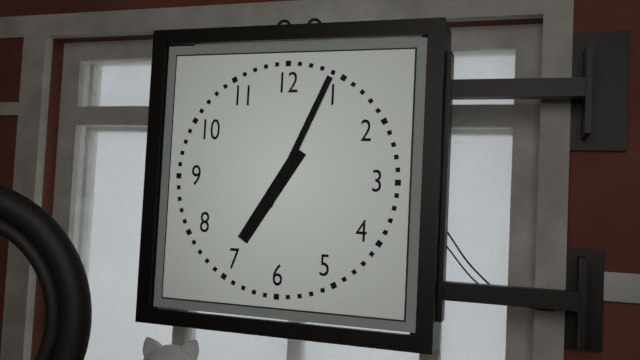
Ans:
7,04
